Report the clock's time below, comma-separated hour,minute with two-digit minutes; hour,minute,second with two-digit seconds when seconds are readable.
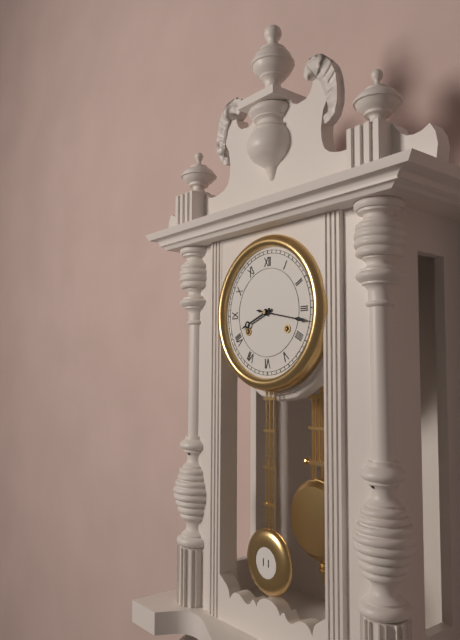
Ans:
8,17
